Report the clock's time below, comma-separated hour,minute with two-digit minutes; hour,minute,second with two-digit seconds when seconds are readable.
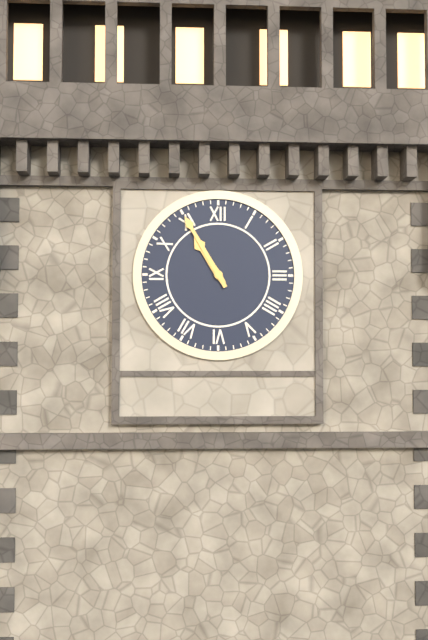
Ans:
10,55
